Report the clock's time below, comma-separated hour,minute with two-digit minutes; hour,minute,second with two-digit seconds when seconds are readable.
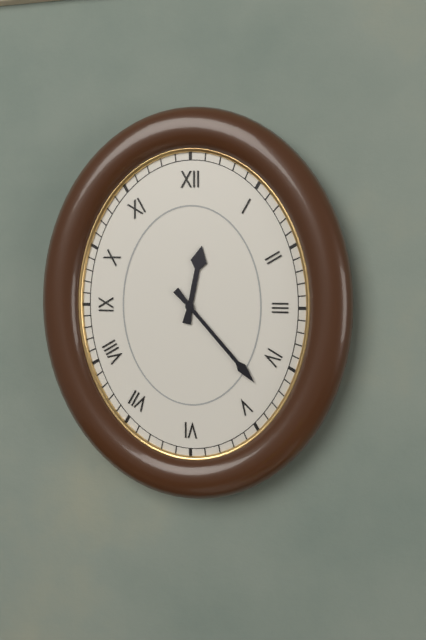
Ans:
12,23
